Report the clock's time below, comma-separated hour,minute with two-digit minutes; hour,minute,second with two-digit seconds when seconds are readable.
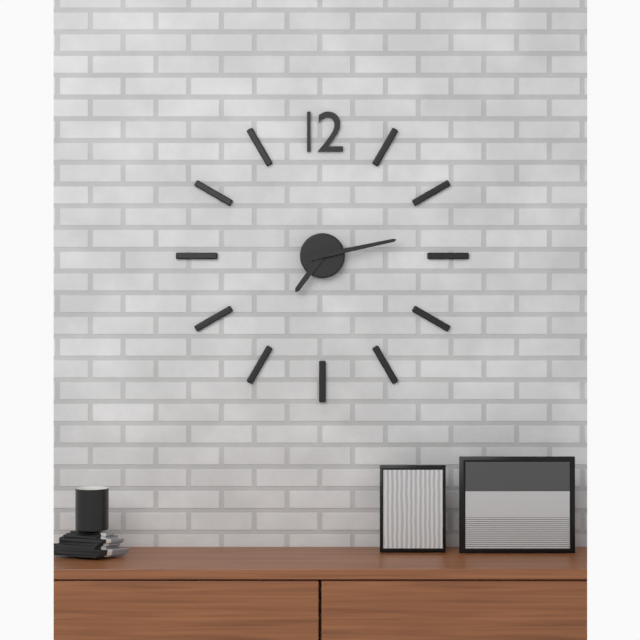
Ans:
7,13
